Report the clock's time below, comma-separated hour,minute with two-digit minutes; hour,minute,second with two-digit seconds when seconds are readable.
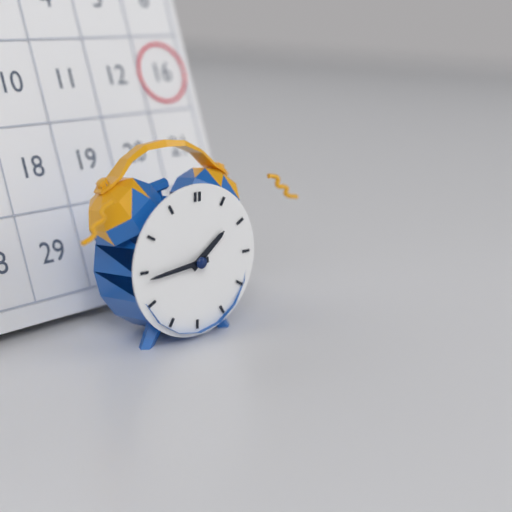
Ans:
1,44
